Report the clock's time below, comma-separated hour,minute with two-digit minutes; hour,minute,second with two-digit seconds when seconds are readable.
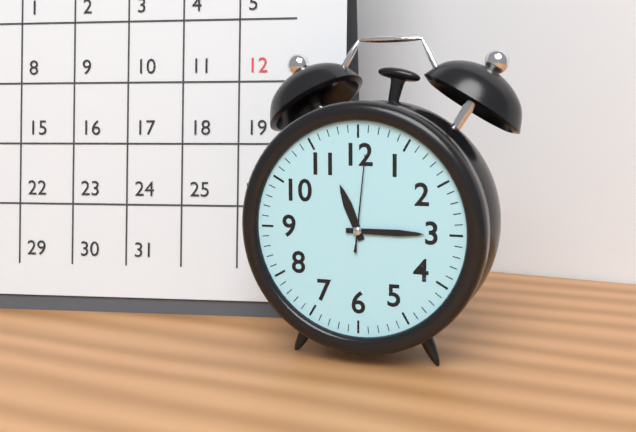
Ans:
11,15,01
